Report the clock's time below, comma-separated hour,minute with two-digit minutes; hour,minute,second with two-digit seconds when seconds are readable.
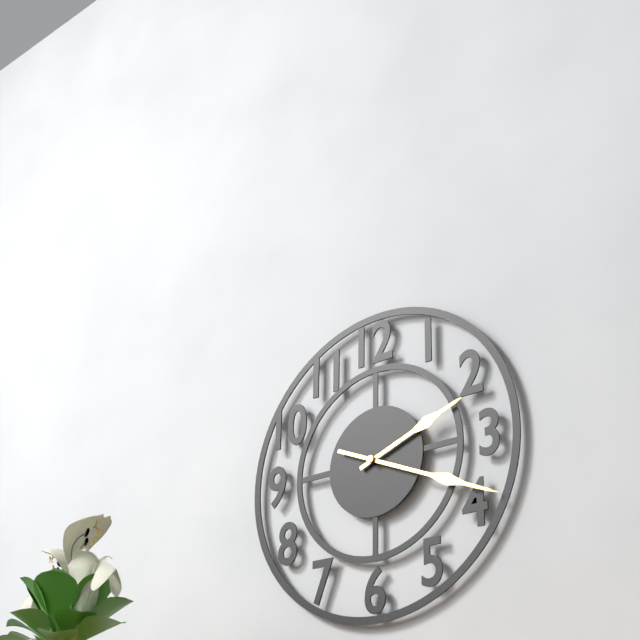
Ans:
2,19
